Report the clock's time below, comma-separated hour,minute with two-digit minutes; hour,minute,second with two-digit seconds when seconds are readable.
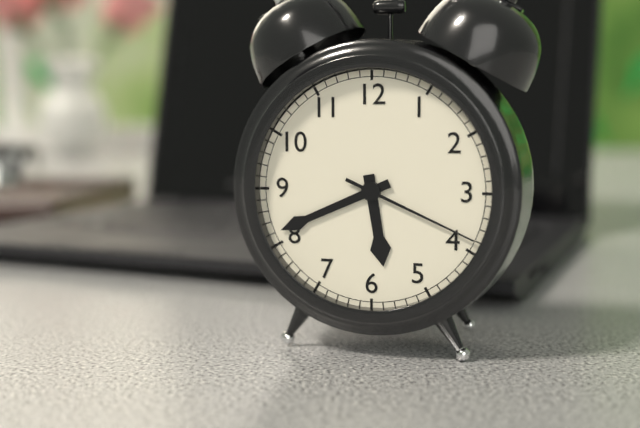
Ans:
5,41,19
